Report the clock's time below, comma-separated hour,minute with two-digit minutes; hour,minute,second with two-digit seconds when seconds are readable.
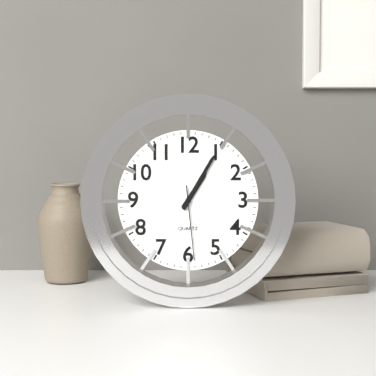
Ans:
1,05,29
